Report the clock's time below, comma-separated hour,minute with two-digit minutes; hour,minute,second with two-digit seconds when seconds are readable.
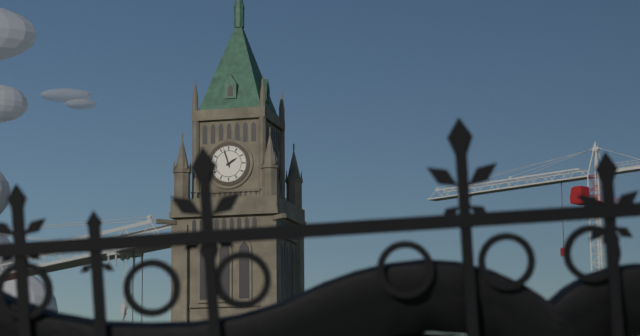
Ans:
1,57
